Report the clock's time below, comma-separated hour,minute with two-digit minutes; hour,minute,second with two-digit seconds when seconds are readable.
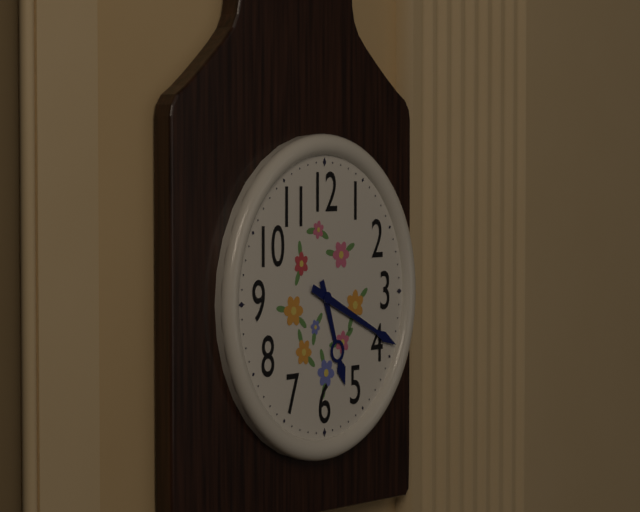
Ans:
5,19
